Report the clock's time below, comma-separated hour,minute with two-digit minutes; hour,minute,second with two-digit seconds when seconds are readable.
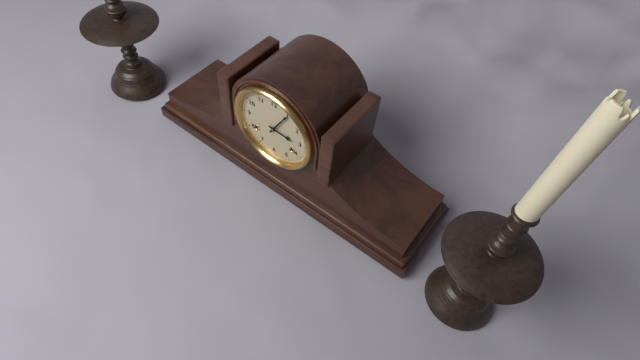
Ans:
3,05
